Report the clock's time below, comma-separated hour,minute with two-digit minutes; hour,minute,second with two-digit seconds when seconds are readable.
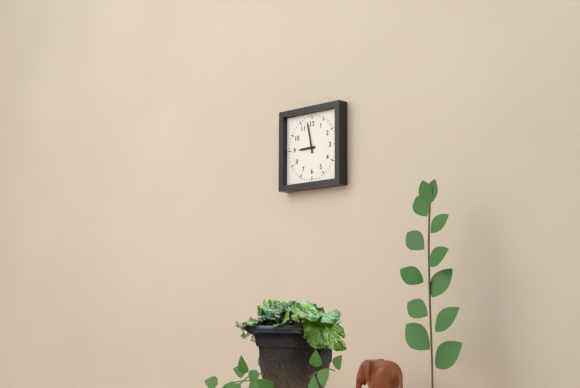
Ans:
8,58
